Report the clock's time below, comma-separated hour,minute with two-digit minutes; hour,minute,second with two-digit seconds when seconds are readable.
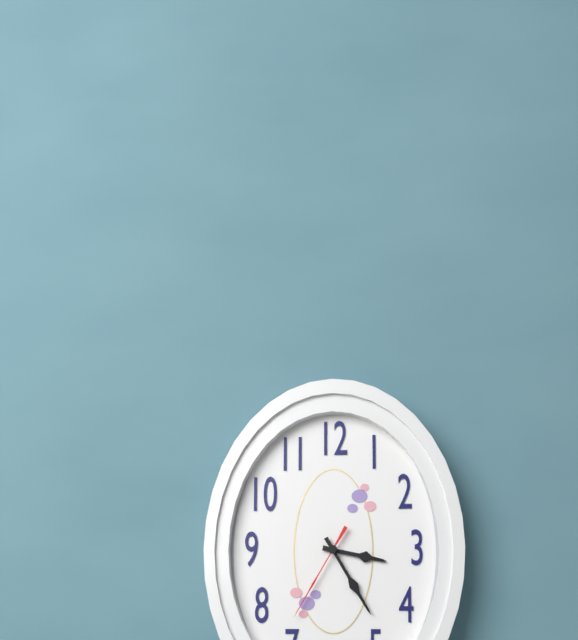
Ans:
3,25,35
